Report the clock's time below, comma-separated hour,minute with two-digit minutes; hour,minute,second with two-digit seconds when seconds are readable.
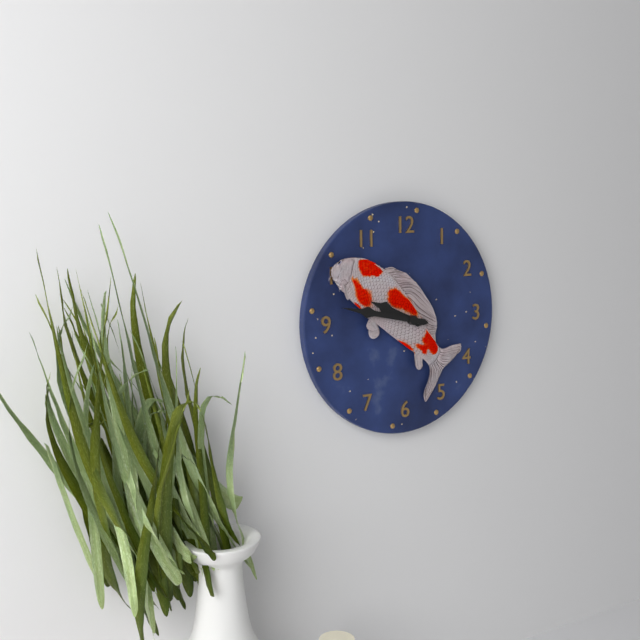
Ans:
9,47
